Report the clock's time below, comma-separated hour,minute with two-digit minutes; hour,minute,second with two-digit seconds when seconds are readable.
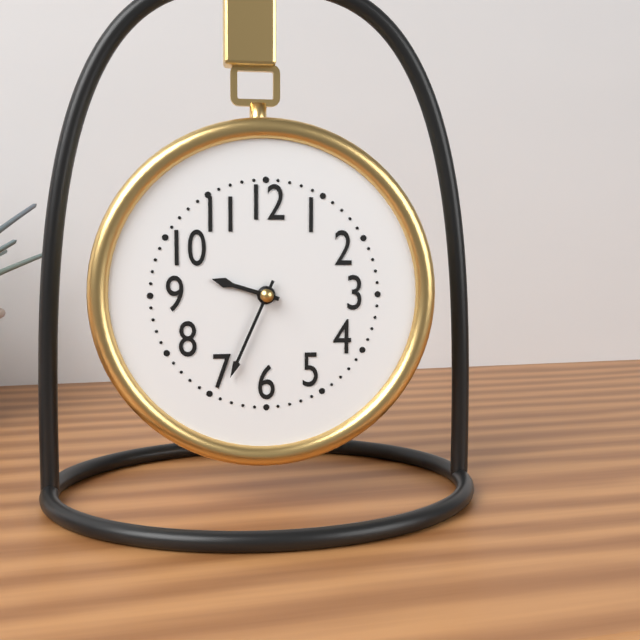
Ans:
9,34
